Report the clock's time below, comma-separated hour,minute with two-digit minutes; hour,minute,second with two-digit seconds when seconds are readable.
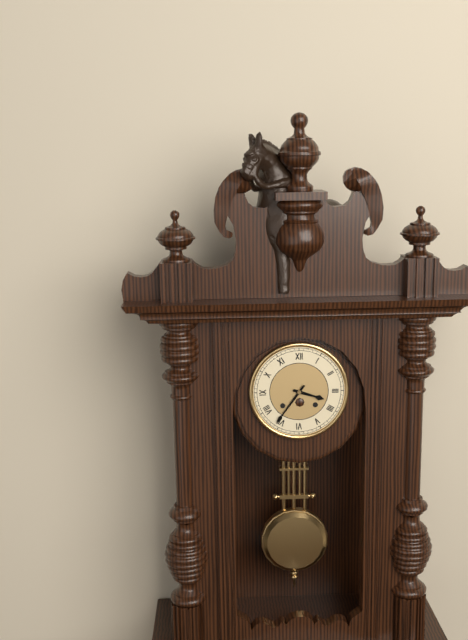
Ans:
3,36
